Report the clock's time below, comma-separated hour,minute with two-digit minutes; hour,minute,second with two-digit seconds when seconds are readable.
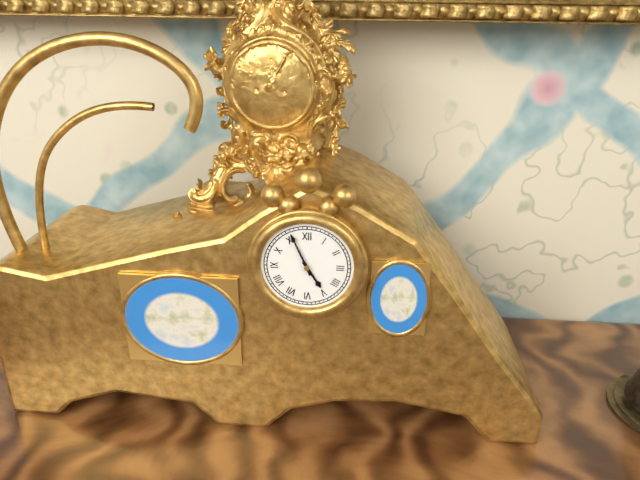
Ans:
4,56
